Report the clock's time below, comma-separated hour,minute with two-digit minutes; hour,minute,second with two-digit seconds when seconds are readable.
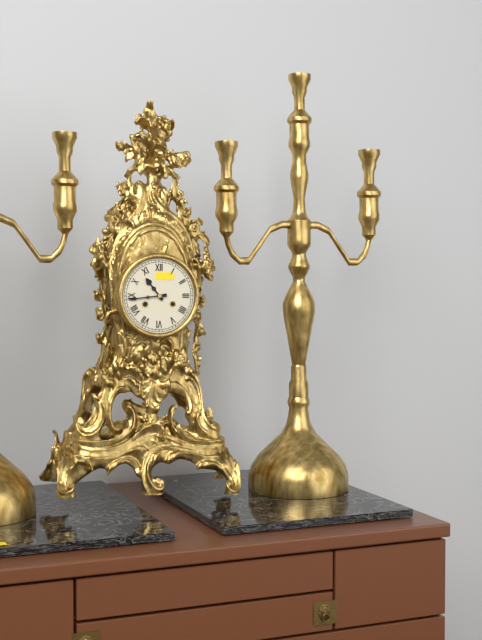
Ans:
10,44
